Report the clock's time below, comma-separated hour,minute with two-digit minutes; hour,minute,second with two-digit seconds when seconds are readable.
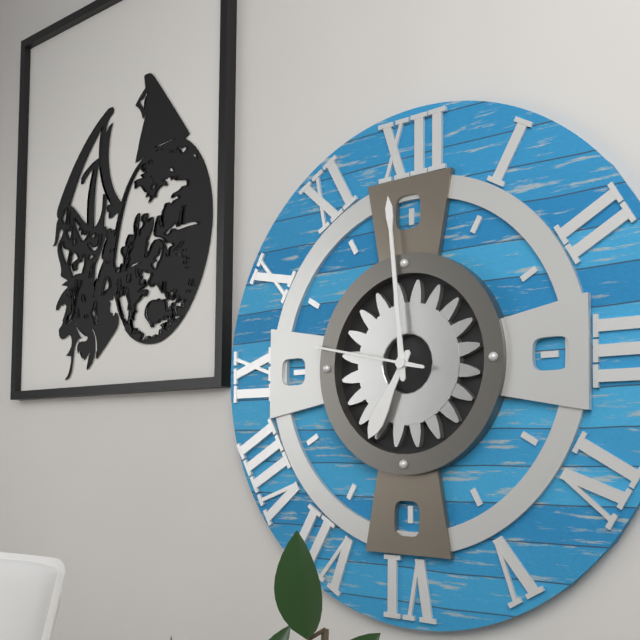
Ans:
6,59,47
